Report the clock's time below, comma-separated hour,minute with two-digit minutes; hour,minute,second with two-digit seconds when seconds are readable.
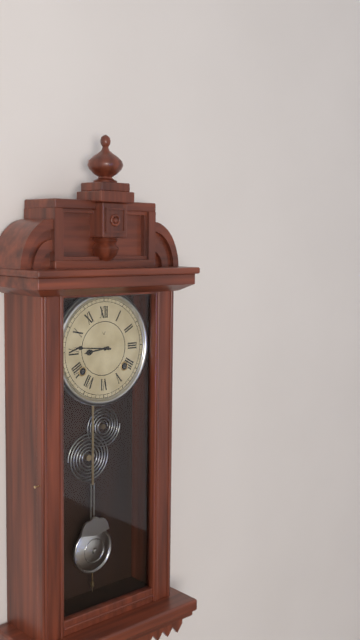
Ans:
8,46
